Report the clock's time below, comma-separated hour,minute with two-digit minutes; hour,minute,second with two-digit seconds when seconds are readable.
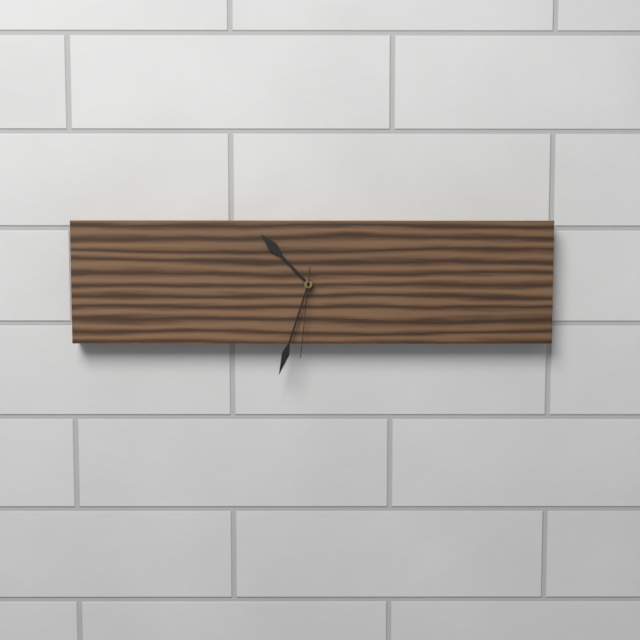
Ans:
10,33,31
